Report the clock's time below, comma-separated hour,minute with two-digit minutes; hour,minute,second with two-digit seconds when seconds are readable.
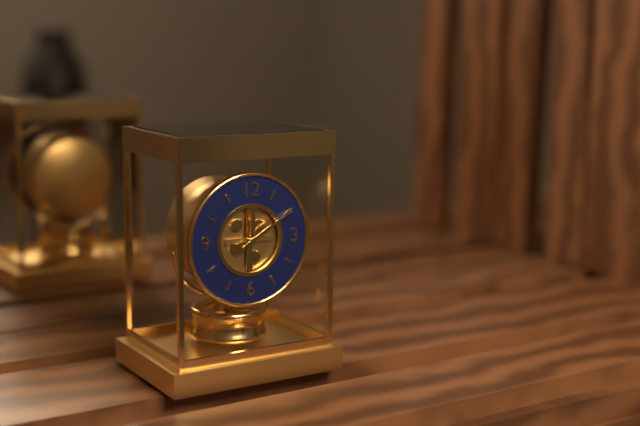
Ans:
12,10
